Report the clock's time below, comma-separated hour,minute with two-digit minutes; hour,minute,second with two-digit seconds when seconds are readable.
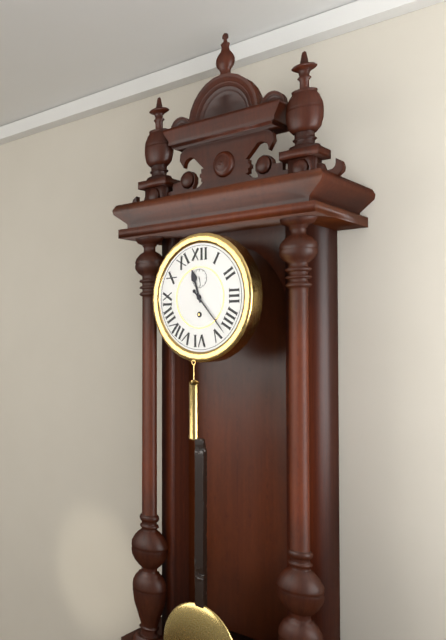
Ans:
11,23
